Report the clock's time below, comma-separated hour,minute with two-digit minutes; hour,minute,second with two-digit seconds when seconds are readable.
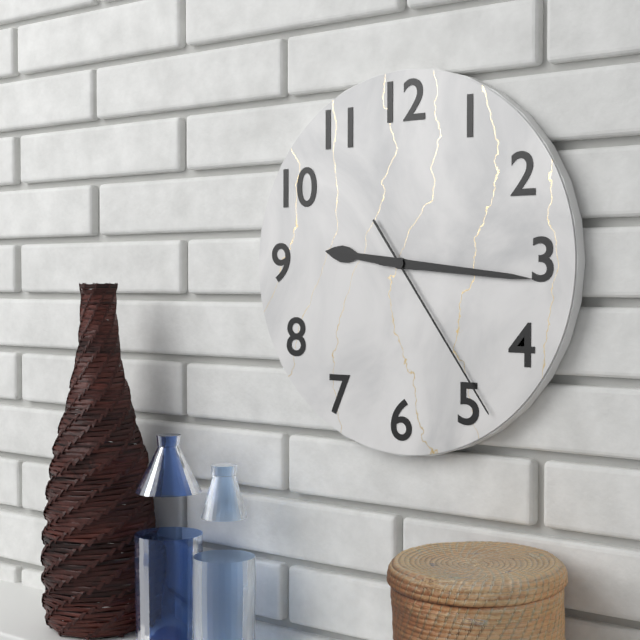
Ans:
9,16,24
